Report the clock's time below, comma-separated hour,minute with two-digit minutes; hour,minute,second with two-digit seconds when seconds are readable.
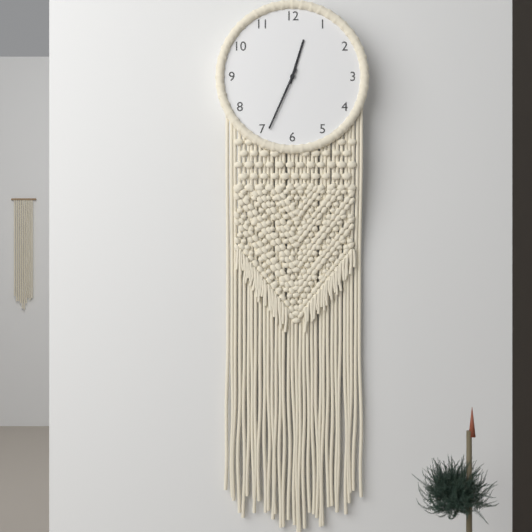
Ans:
12,34
